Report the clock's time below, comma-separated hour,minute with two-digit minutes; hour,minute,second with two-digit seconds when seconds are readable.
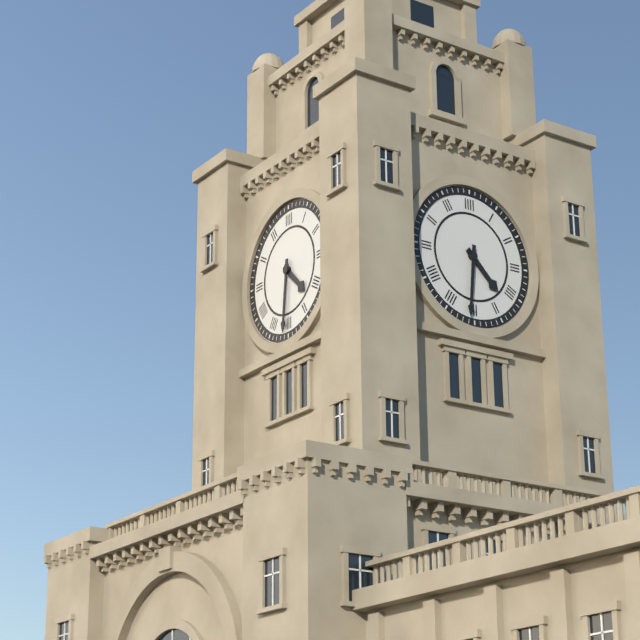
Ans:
4,31
